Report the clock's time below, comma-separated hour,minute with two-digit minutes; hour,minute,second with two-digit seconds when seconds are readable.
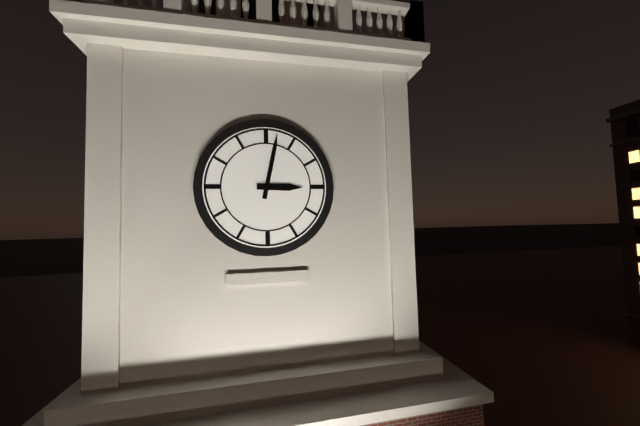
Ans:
3,02
